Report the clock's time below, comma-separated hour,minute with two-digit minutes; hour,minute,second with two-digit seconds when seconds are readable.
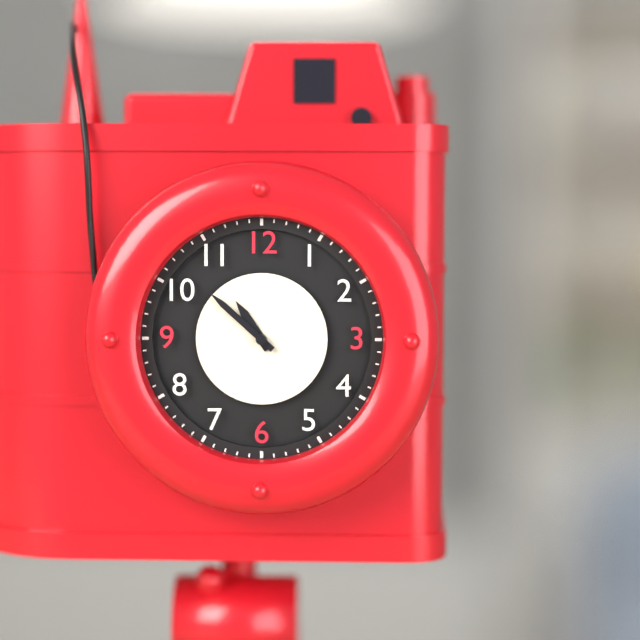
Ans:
10,52
